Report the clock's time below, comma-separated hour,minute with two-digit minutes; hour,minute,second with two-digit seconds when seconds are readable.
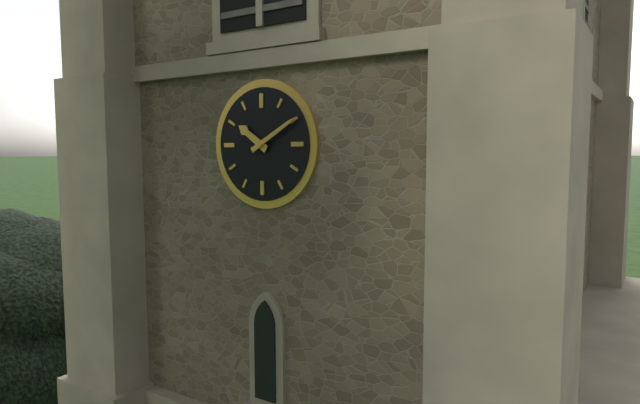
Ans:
10,10
